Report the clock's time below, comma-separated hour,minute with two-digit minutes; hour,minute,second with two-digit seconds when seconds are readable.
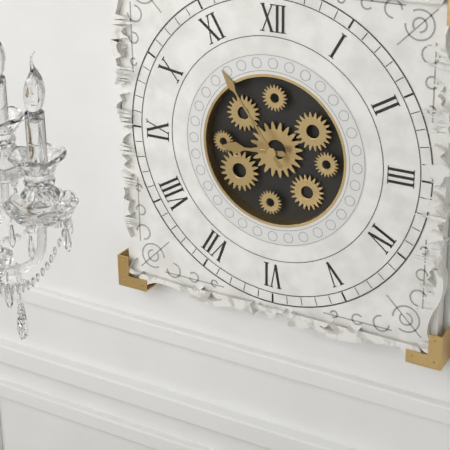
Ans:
8,54
